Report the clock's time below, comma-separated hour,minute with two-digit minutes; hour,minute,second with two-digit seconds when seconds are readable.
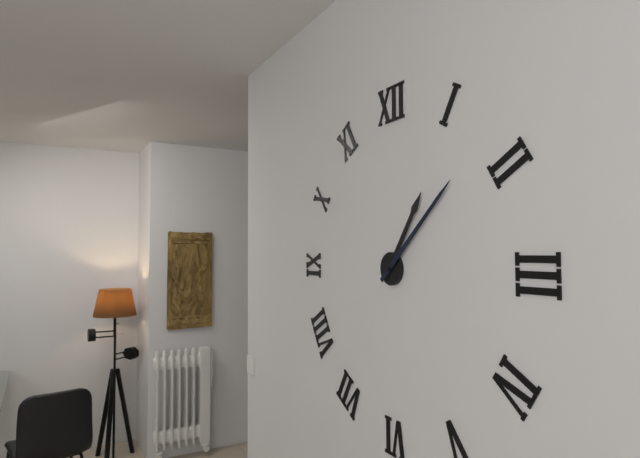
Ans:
1,08
